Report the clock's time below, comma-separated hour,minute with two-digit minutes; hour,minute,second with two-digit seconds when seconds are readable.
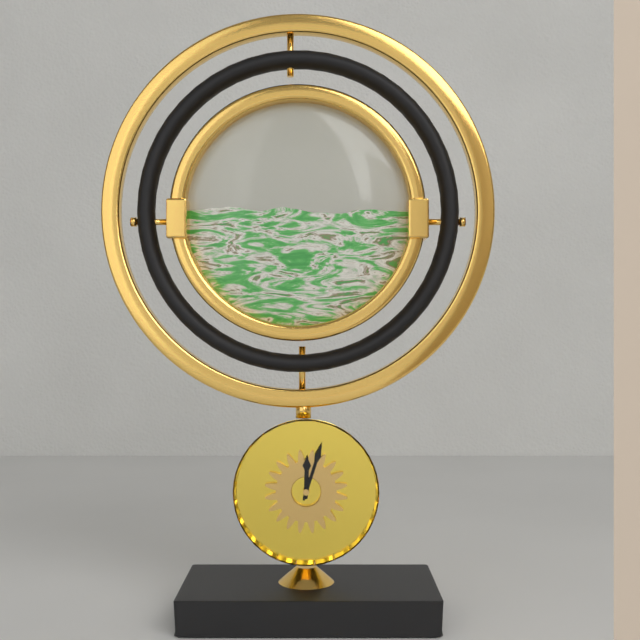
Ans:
12,03
